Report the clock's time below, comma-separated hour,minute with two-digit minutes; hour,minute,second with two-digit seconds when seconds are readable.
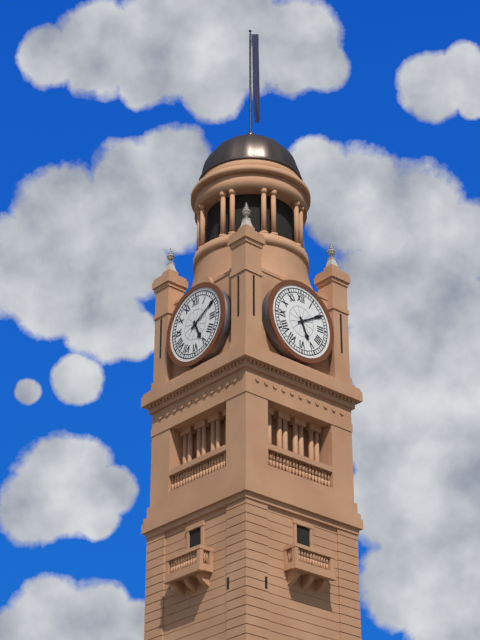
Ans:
5,10
